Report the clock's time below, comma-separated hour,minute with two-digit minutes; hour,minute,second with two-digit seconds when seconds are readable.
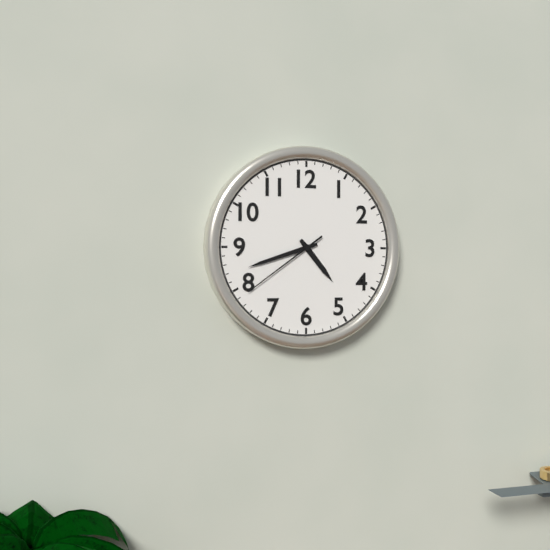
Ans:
4,42,39
